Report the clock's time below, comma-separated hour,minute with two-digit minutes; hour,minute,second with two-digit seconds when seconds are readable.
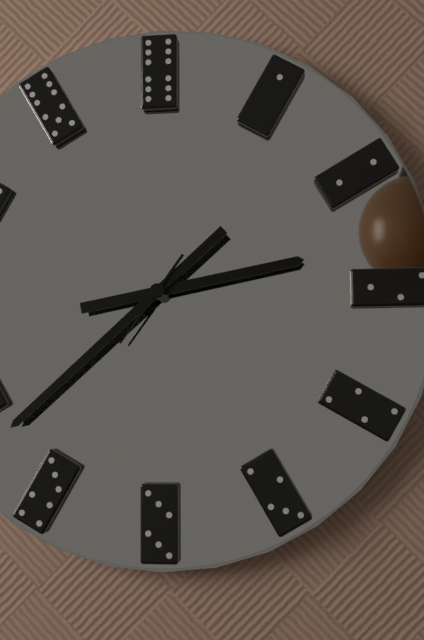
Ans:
2,38,36
